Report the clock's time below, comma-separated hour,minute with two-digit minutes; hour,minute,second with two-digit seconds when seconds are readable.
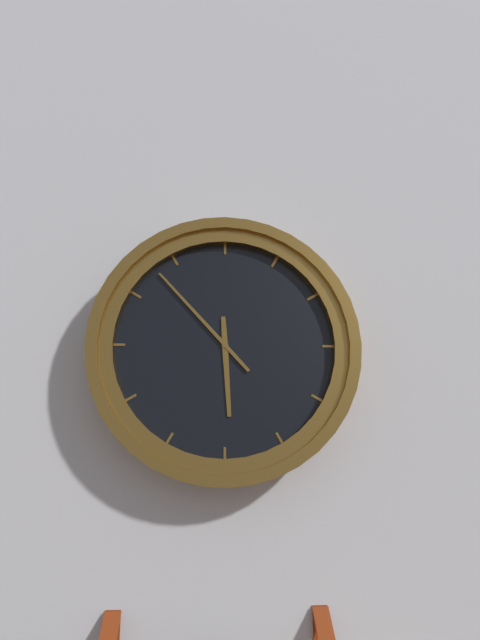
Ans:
5,53
